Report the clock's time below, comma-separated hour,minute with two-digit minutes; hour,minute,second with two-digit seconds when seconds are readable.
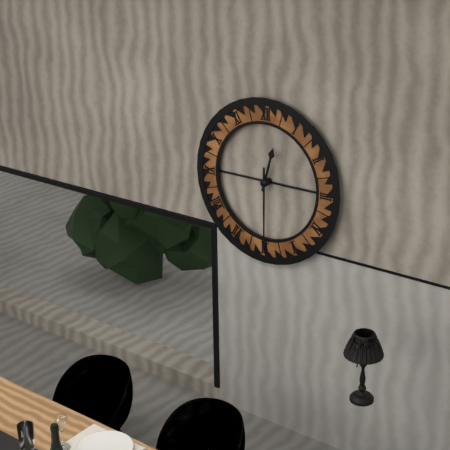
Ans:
12,30
